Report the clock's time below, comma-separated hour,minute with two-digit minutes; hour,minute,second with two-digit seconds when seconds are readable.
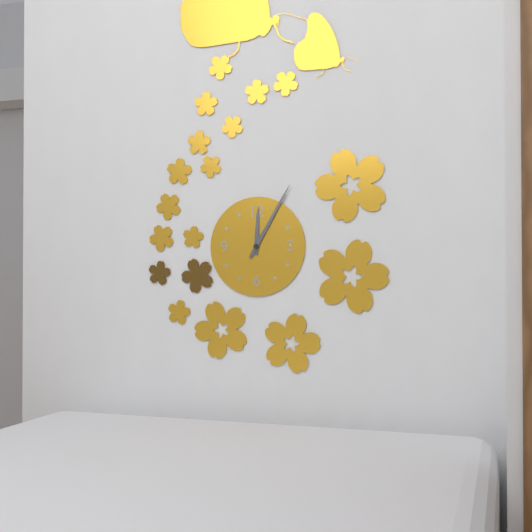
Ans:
12,05
